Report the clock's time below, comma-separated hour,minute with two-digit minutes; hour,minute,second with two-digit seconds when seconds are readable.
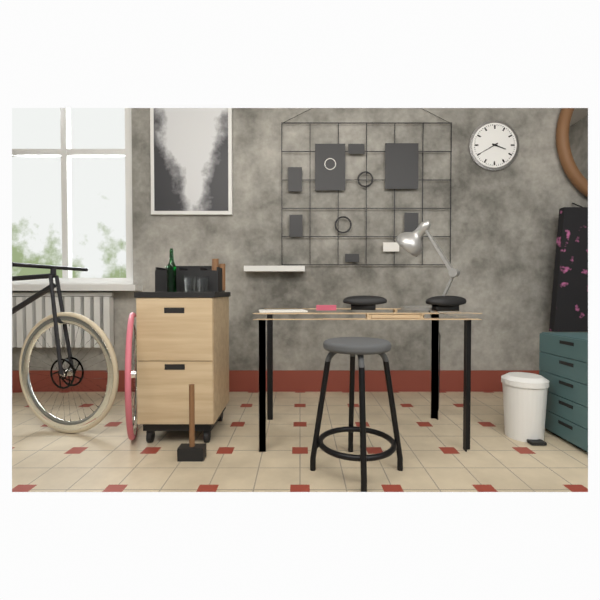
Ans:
3,40
